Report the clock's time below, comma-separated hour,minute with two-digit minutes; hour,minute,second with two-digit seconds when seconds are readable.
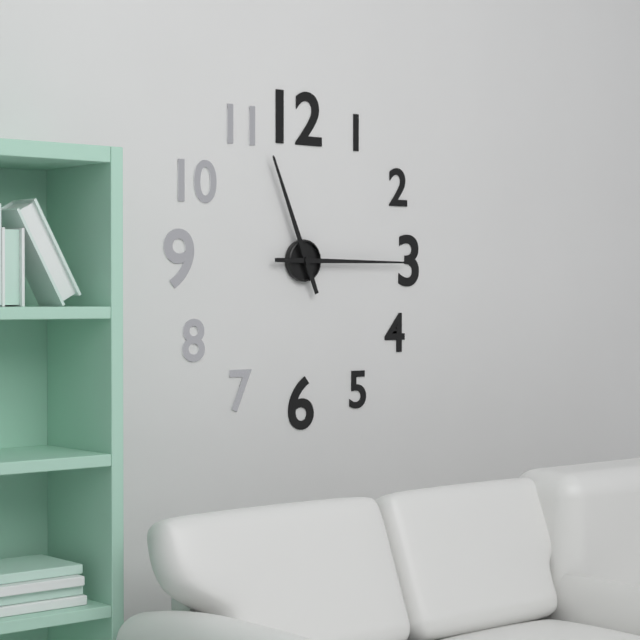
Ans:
11,15
